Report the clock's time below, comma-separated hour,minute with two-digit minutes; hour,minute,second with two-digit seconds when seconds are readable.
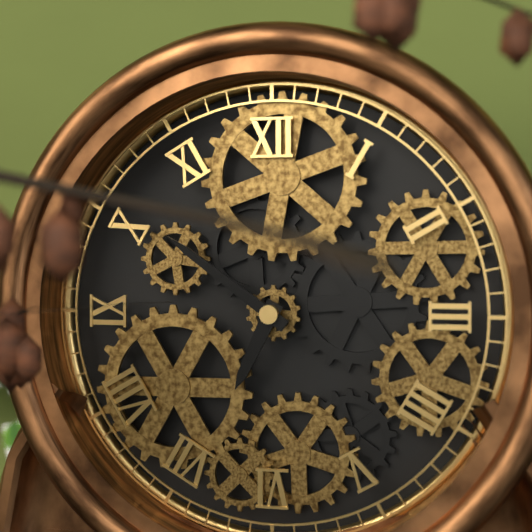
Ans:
6,51
